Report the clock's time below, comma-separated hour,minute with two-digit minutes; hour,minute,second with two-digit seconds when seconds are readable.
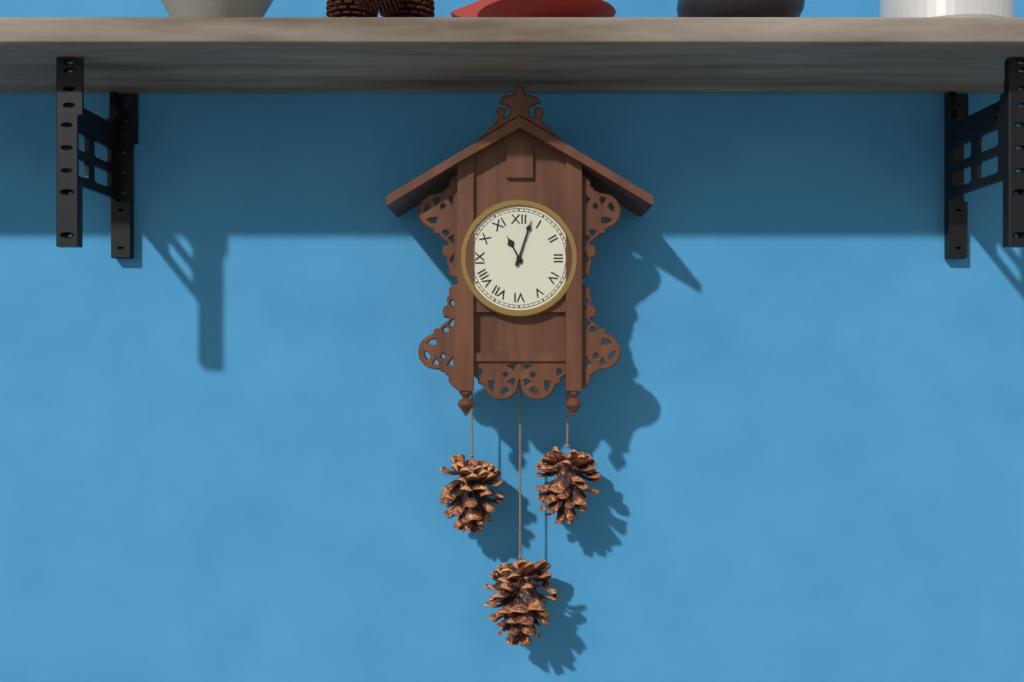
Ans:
11,03
